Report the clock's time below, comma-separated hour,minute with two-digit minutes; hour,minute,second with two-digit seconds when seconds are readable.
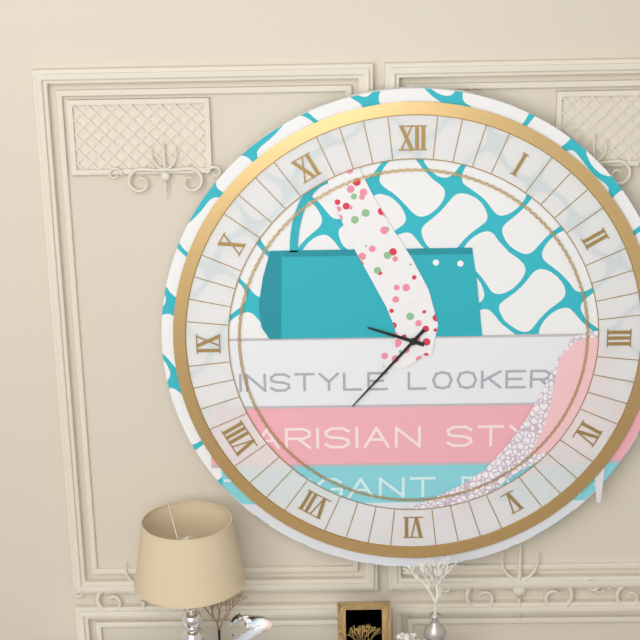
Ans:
9,37
